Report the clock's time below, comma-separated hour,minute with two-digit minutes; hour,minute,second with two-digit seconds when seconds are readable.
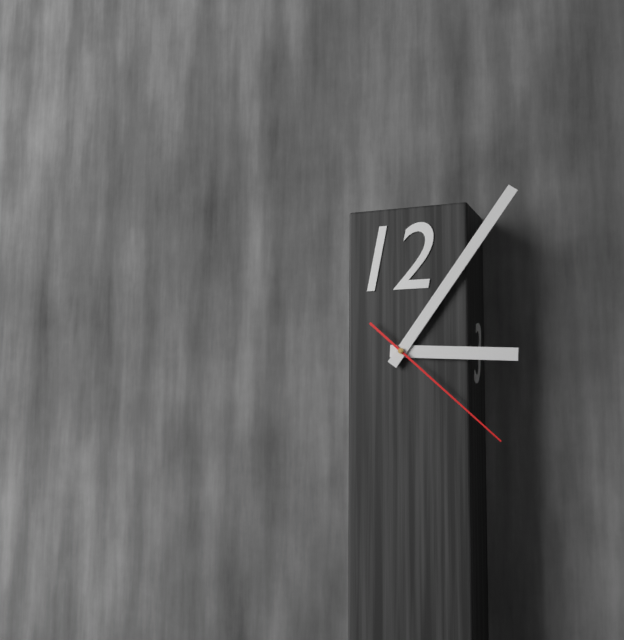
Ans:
3,06,22
